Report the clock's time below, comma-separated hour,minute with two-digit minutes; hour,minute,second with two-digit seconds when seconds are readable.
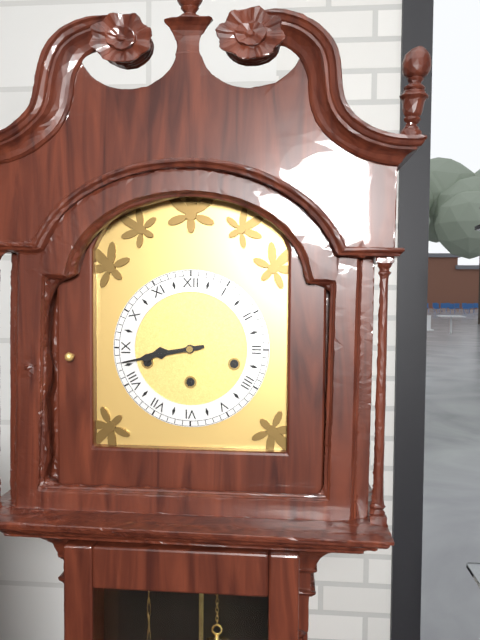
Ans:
8,43
